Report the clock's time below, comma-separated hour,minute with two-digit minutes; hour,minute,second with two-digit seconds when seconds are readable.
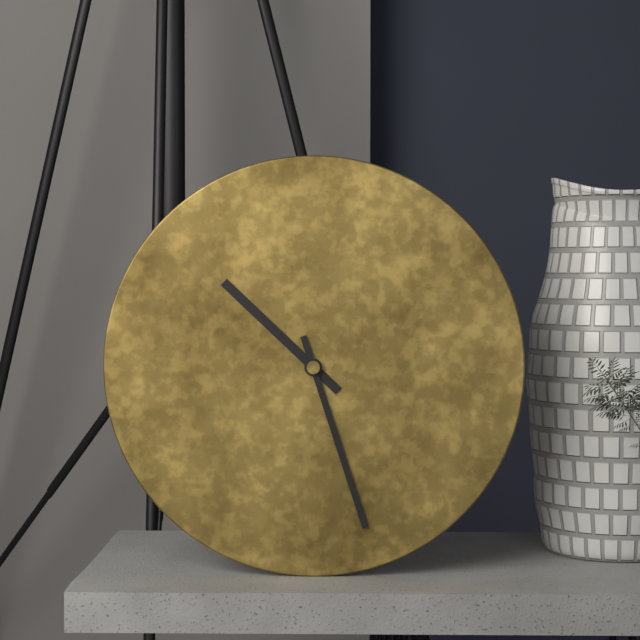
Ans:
10,27
